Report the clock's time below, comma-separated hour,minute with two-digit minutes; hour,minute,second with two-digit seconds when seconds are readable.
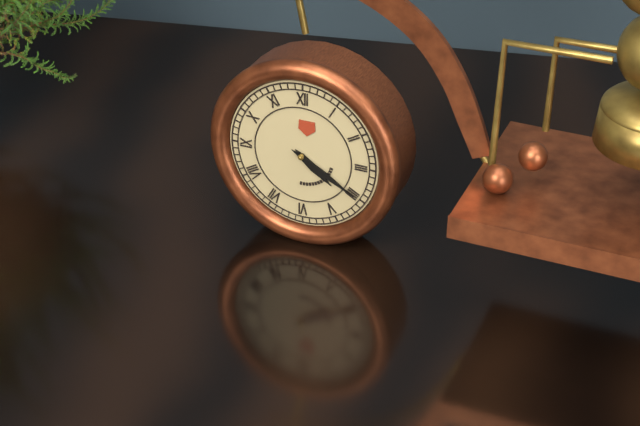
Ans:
4,20
